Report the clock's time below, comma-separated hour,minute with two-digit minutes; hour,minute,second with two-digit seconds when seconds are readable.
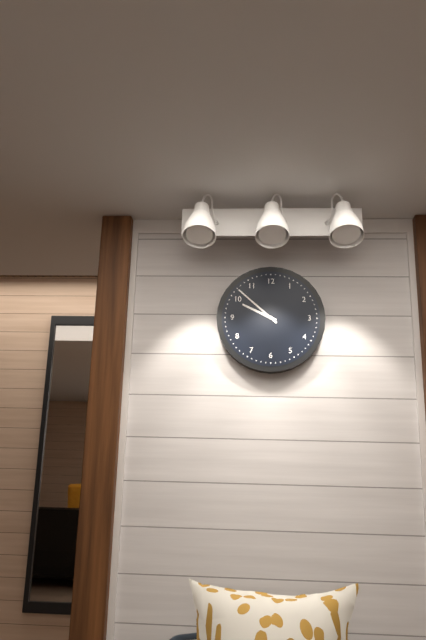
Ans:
9,52
